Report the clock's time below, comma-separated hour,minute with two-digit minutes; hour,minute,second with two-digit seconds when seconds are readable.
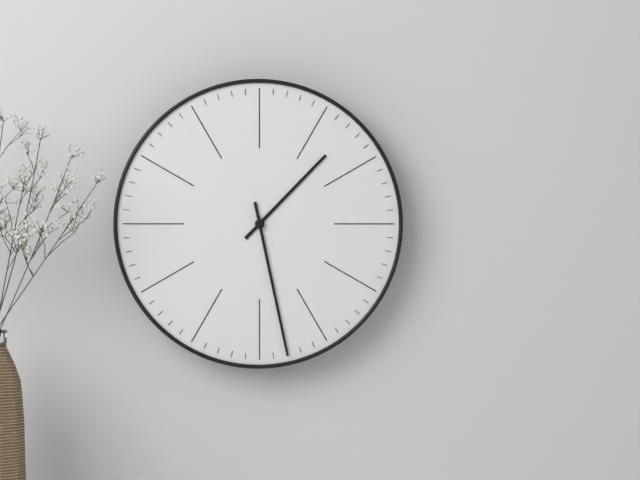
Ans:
1,28
